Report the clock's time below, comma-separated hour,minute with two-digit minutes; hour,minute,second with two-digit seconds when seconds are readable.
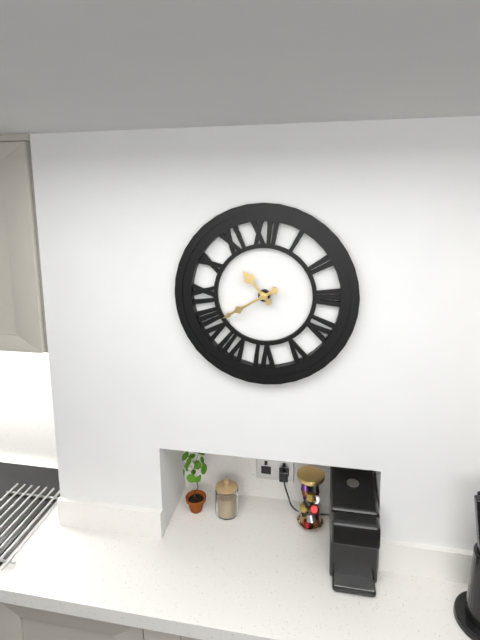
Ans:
10,40
